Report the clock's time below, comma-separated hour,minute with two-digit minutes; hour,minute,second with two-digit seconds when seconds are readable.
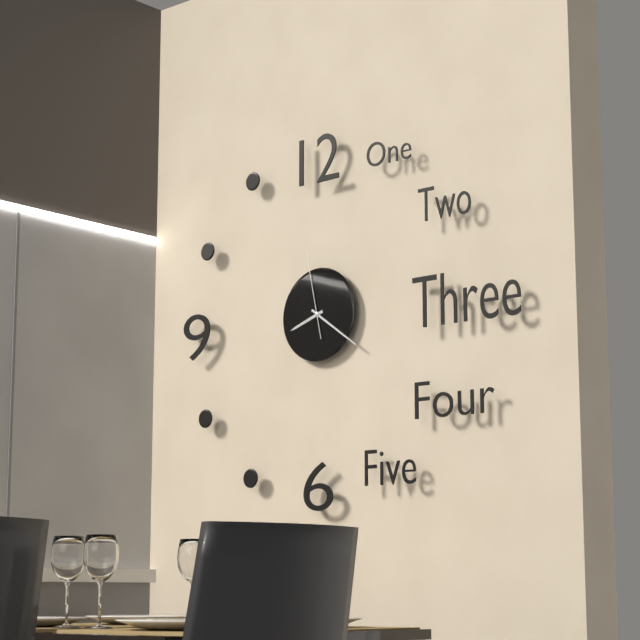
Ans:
8,21,58
